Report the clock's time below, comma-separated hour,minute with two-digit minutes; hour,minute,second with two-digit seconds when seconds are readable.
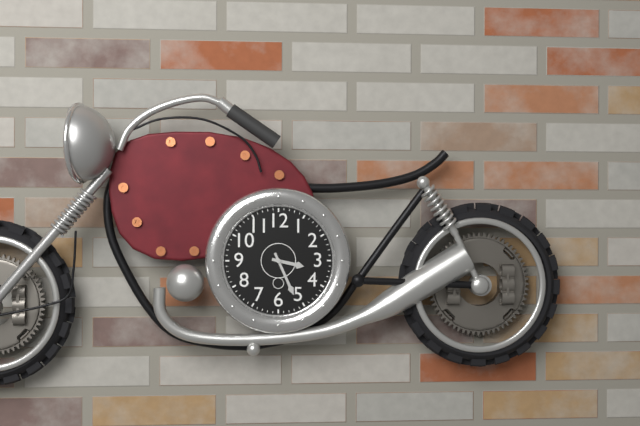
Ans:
3,26
